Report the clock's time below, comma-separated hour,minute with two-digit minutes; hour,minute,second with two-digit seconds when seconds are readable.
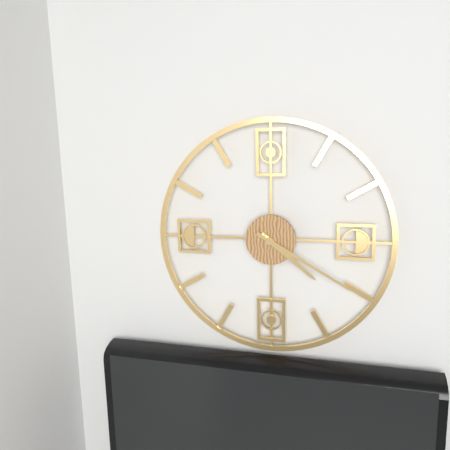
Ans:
4,20
